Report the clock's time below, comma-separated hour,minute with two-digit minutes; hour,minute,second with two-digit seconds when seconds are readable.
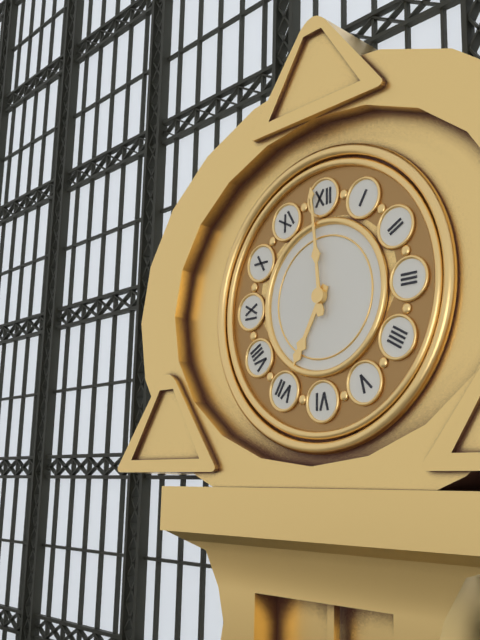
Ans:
6,59
